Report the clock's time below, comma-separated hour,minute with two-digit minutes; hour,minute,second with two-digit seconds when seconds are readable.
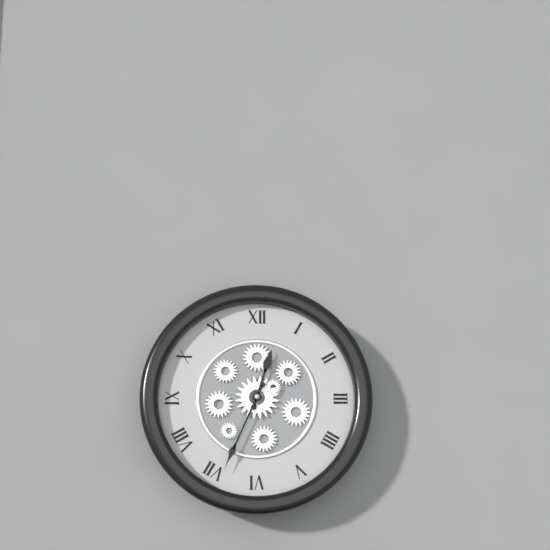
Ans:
12,34
